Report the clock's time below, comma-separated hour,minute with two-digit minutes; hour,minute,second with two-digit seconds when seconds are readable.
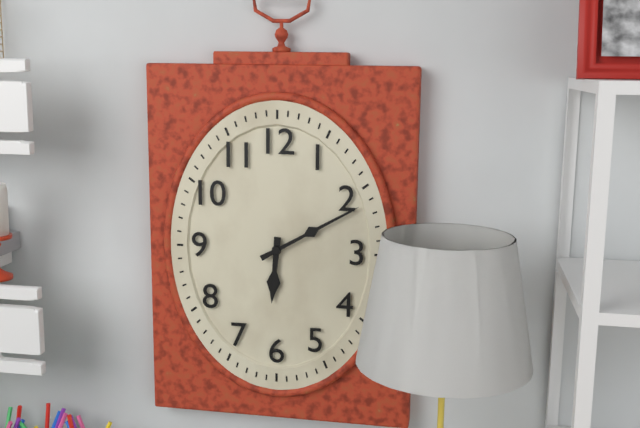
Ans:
6,10
